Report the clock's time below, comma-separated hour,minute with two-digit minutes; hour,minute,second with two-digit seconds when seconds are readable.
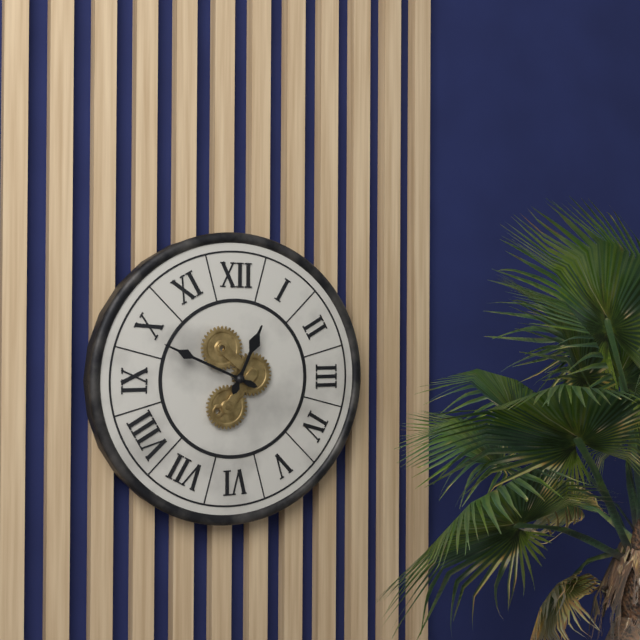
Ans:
12,49
